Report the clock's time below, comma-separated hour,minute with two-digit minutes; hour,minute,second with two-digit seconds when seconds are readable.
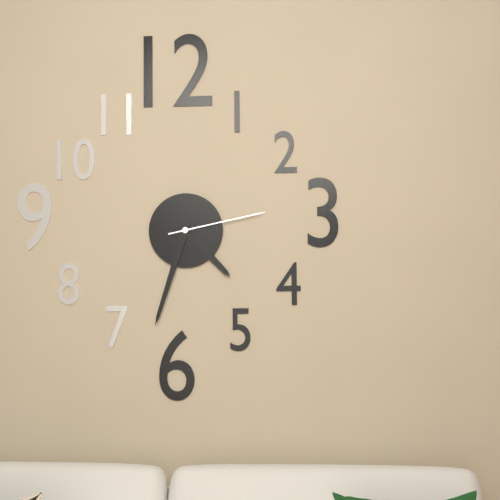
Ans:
4,33,13
